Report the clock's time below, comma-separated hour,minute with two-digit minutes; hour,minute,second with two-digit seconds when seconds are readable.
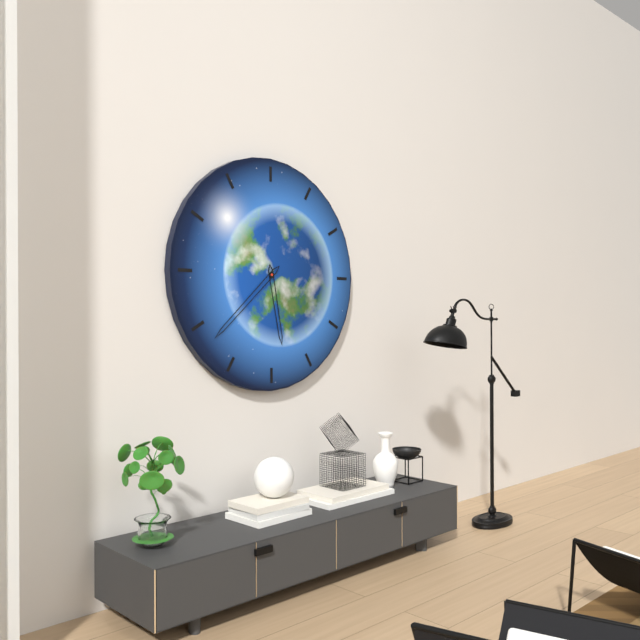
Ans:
5,38
